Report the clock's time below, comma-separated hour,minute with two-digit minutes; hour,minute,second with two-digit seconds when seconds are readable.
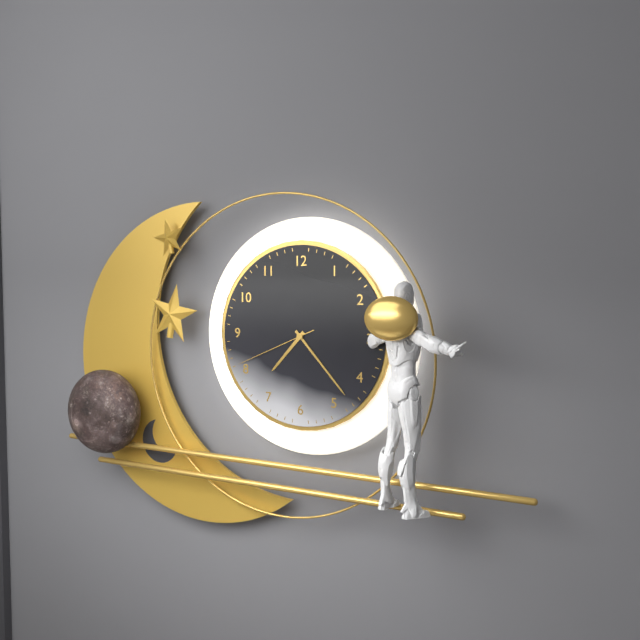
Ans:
7,23,41
